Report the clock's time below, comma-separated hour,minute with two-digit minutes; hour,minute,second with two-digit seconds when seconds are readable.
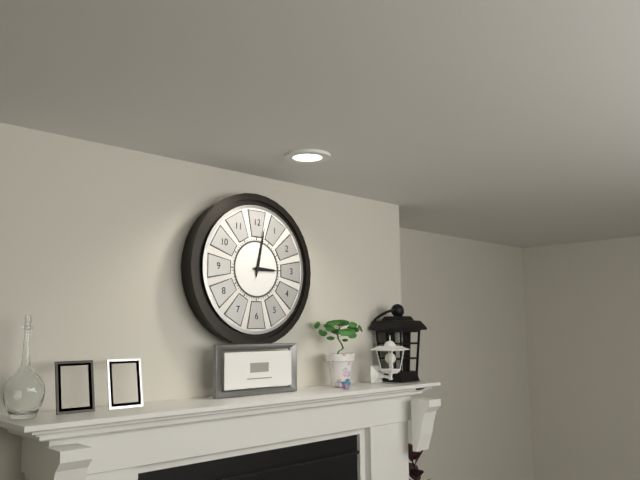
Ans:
3,02
